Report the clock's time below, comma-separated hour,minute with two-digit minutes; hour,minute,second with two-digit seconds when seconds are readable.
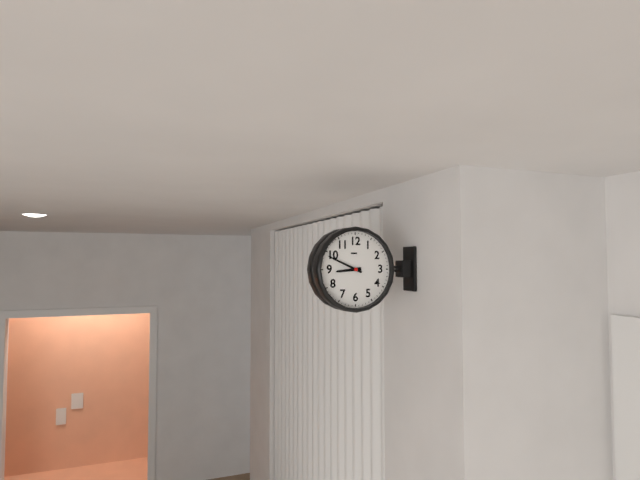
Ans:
8,49
